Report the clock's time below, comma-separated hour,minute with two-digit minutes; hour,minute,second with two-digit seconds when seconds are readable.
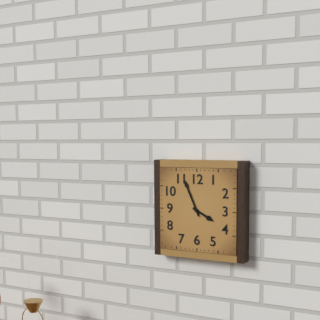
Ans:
3,56
